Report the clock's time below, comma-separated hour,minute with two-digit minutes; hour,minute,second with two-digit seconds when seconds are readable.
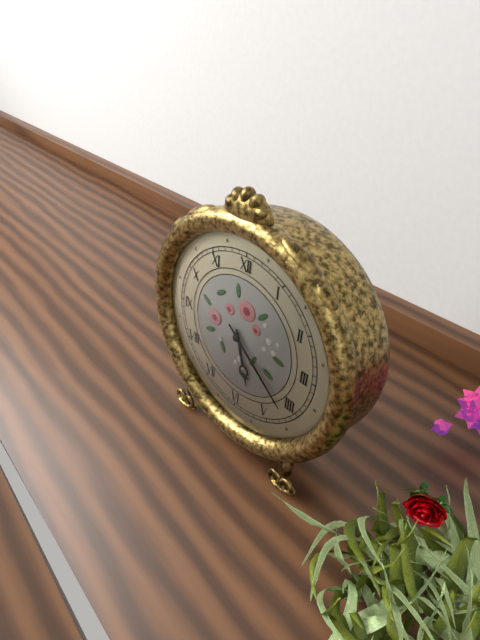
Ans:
5,21
